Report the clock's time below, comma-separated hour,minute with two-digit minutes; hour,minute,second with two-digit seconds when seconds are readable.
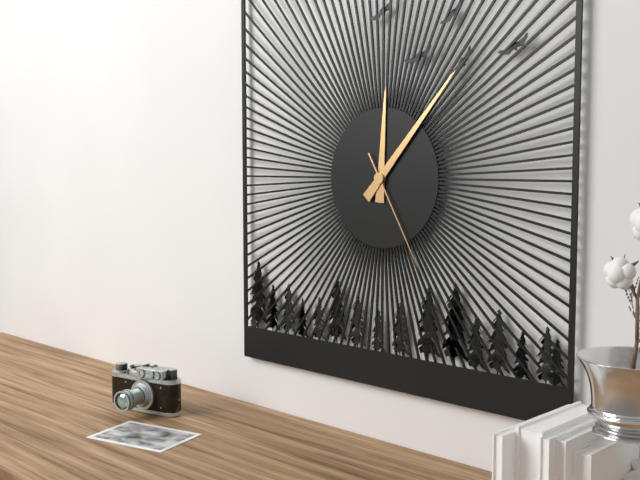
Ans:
12,07,25
